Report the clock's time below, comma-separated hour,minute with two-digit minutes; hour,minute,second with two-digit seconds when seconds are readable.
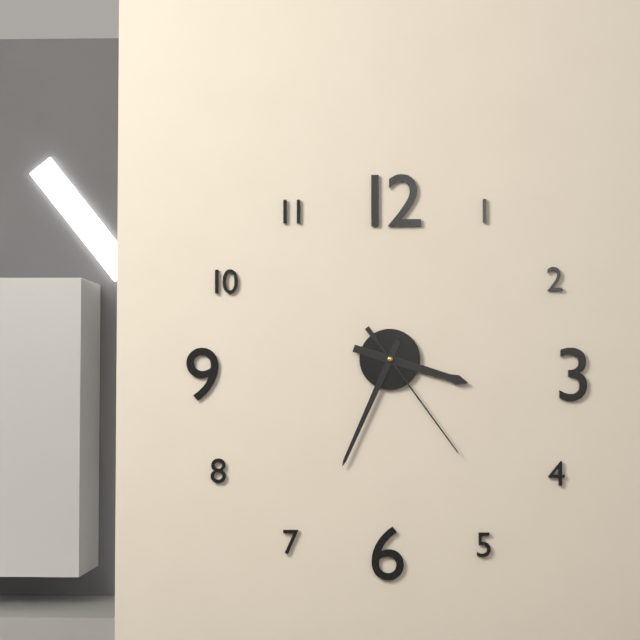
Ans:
3,34,24
